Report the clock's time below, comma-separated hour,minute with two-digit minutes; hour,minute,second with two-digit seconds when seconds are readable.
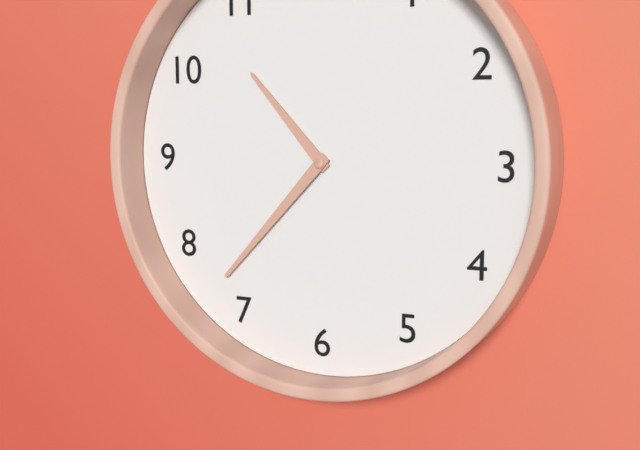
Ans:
10,37
